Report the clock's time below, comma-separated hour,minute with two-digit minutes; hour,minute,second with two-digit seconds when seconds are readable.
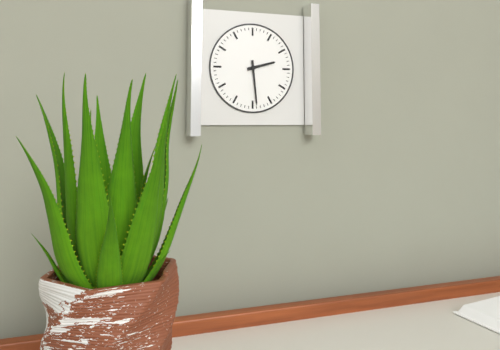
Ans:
2,29
